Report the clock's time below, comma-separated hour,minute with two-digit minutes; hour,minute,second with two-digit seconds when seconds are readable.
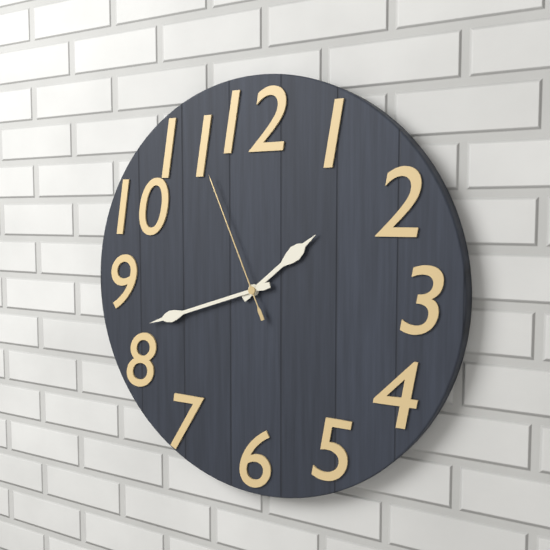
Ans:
1,42,56
